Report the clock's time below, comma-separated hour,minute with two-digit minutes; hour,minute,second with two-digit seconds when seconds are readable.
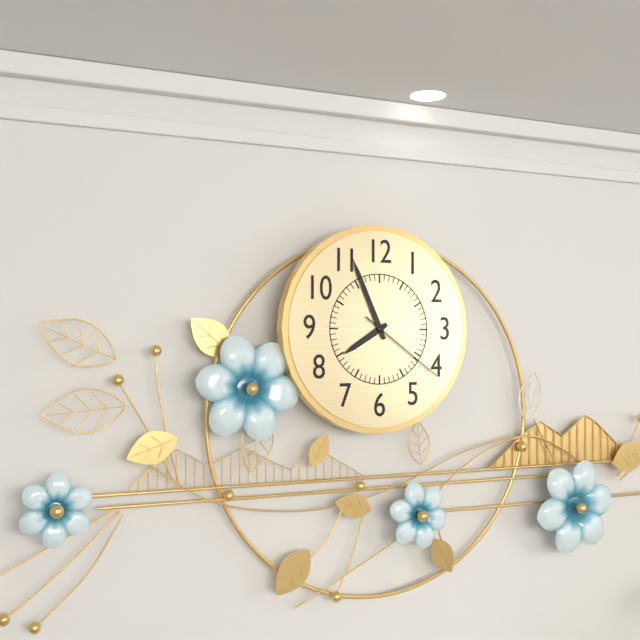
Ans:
7,56,21
